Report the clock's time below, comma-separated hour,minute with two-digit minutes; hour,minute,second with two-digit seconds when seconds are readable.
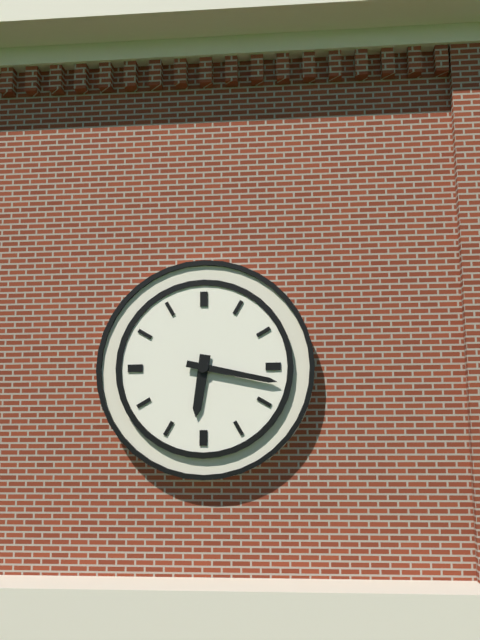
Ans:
6,17
